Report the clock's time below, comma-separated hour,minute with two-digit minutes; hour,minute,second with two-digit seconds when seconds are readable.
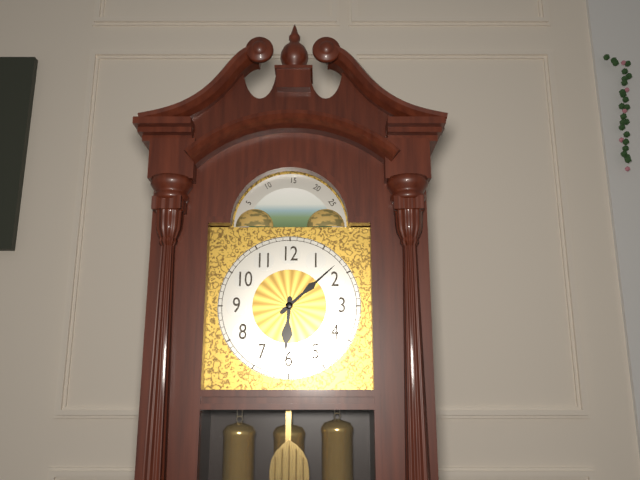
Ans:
6,08
